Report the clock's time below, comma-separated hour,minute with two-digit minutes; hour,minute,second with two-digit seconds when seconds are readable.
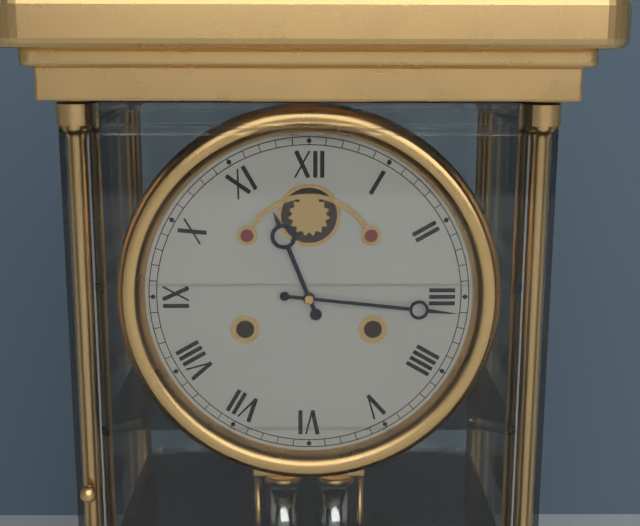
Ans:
11,16
